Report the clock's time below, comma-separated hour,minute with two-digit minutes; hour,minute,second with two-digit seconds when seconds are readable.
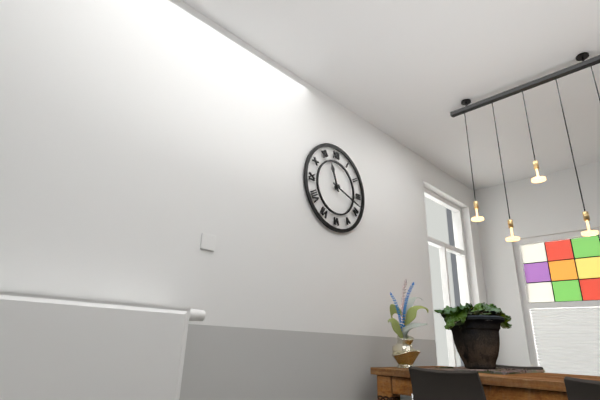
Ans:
11,18
